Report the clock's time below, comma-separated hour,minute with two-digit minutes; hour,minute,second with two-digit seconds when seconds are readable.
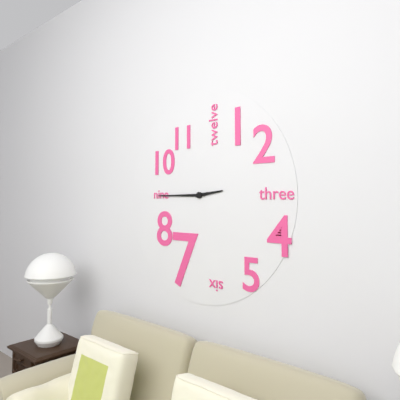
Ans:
2,45
